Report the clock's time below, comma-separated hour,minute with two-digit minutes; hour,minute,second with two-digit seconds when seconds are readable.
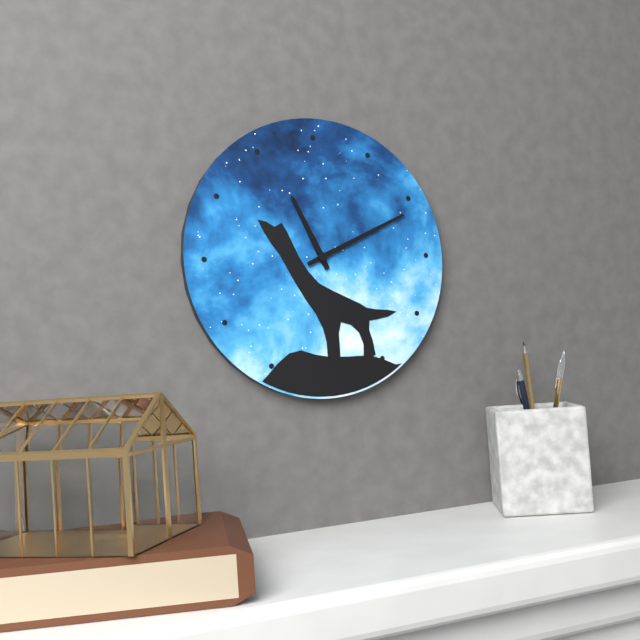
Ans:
11,11
